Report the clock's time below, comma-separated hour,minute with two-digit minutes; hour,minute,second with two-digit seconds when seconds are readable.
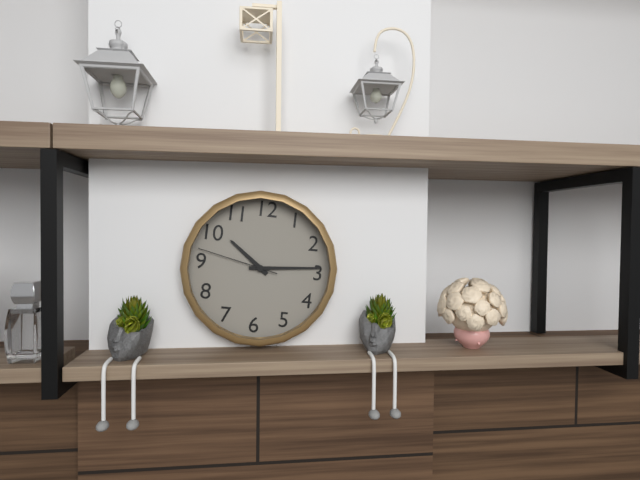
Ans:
10,14,47
